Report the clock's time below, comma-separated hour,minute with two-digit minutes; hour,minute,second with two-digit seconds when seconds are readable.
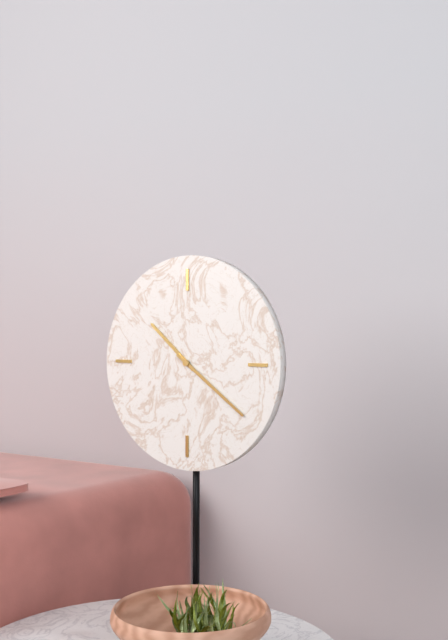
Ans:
10,21
